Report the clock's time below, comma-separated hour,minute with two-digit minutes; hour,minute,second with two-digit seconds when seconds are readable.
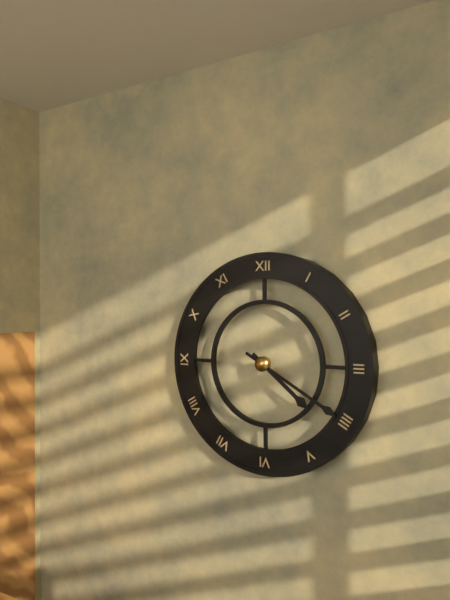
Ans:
4,20
